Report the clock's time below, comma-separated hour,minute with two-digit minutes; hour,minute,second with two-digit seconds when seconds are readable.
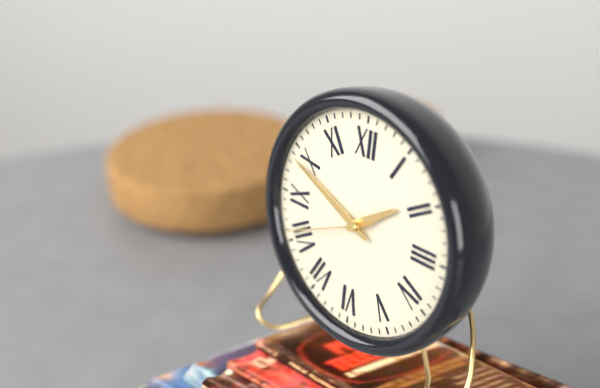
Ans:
1,49,41
